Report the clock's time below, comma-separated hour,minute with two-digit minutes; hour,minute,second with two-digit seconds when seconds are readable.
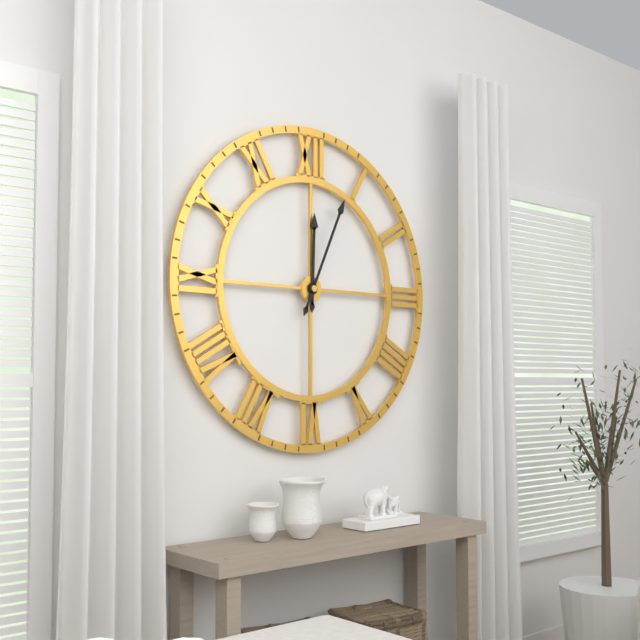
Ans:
12,04
